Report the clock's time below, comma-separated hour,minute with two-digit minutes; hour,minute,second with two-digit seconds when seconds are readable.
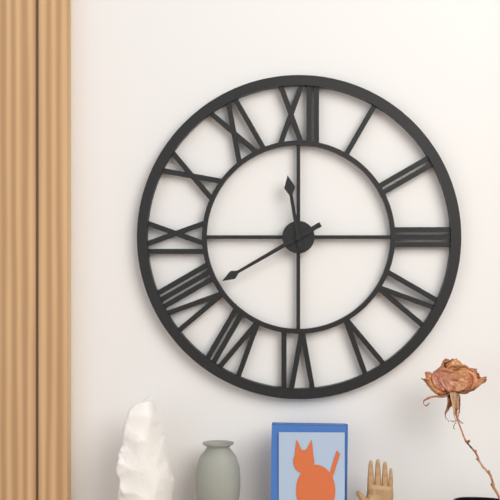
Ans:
11,40
